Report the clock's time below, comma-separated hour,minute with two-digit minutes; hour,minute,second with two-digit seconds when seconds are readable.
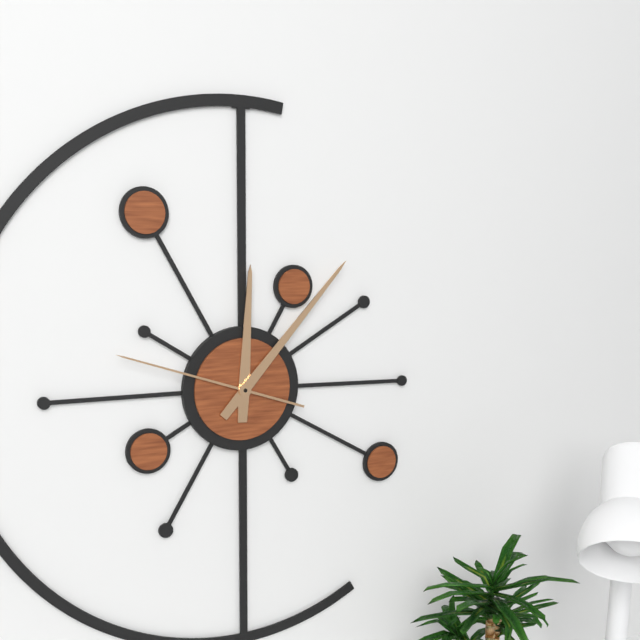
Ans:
12,07,48
